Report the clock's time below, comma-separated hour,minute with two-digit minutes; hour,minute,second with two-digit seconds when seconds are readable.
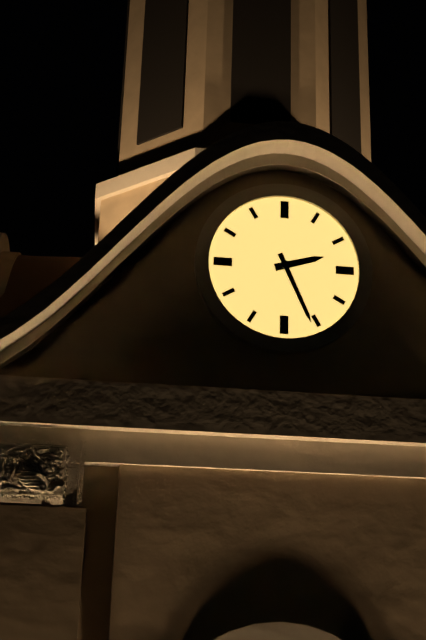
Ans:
2,26
